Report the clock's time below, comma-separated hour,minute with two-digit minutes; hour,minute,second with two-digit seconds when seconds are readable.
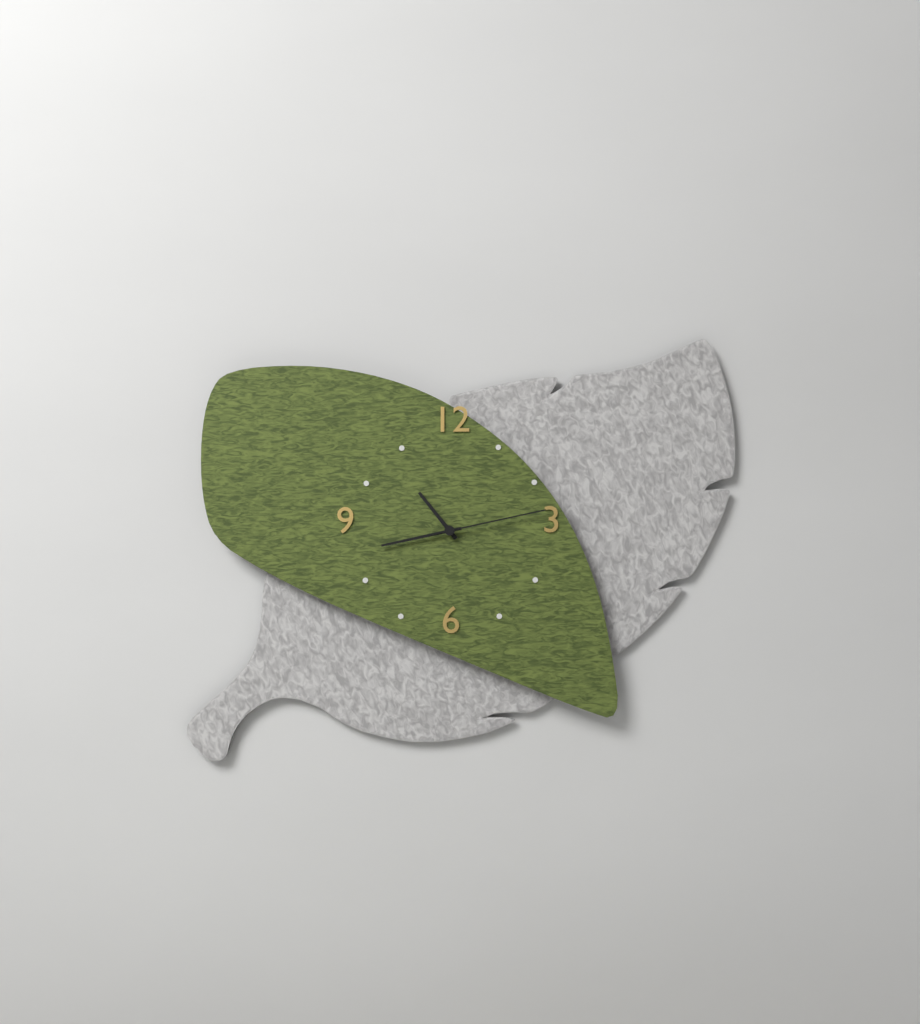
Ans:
10,43,13
